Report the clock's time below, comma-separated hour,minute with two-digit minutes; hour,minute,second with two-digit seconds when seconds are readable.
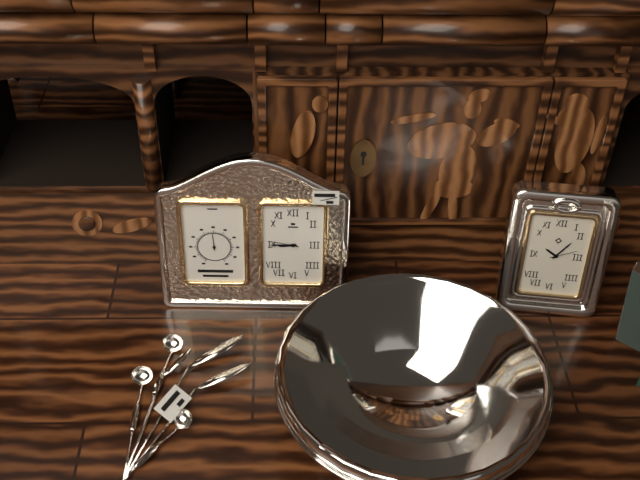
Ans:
8,45
